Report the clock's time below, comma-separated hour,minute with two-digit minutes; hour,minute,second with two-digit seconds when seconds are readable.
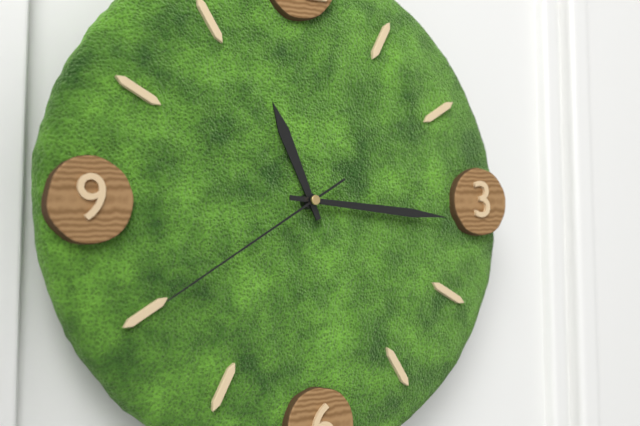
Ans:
11,16,40
